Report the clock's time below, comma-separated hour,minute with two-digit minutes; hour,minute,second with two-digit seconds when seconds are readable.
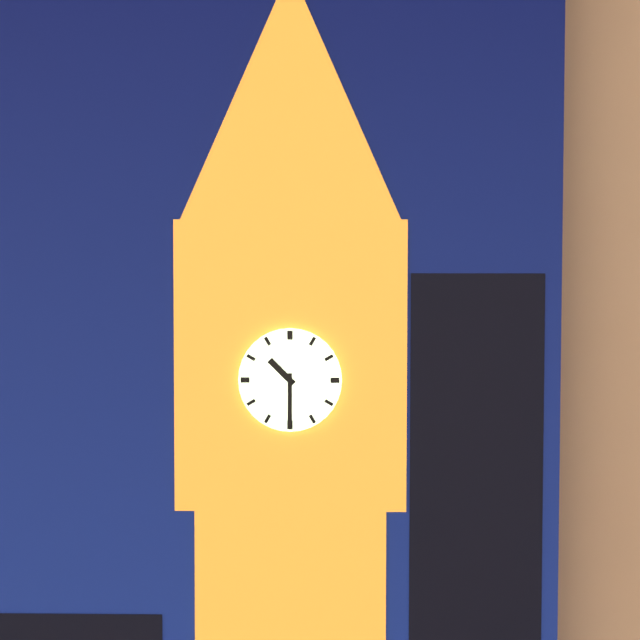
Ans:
10,30
